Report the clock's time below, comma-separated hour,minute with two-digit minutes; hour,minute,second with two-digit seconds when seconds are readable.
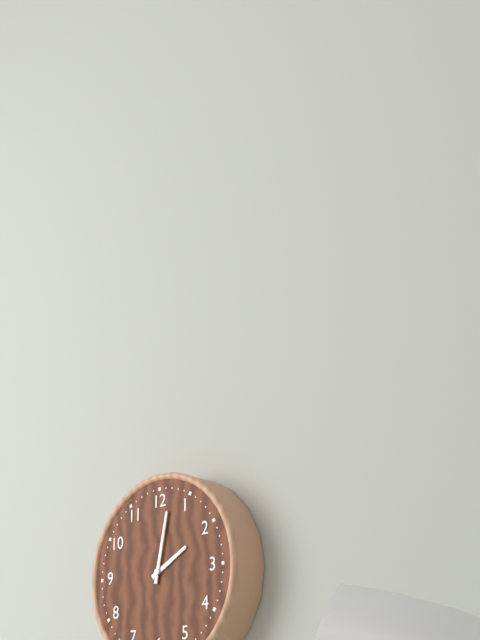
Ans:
2,02
